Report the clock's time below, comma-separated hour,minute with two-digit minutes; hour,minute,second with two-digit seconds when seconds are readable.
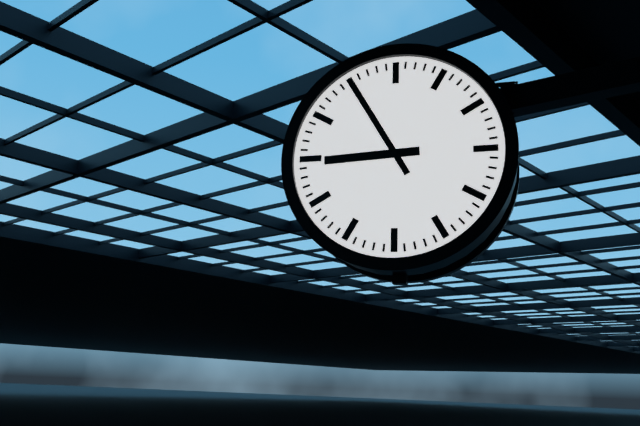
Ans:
8,55
